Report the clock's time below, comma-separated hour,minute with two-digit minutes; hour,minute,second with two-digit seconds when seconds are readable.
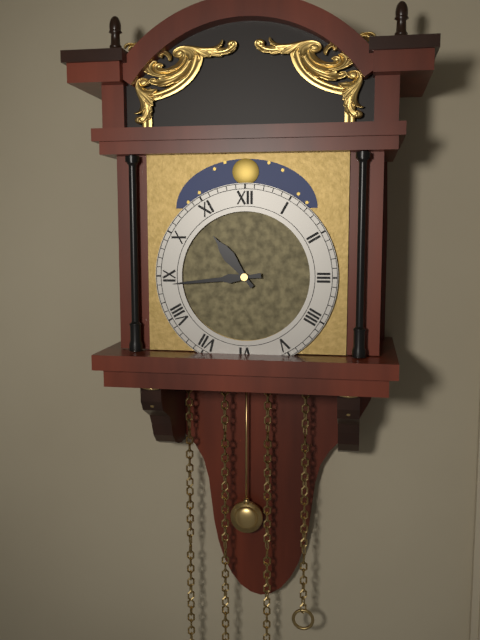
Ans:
10,44
